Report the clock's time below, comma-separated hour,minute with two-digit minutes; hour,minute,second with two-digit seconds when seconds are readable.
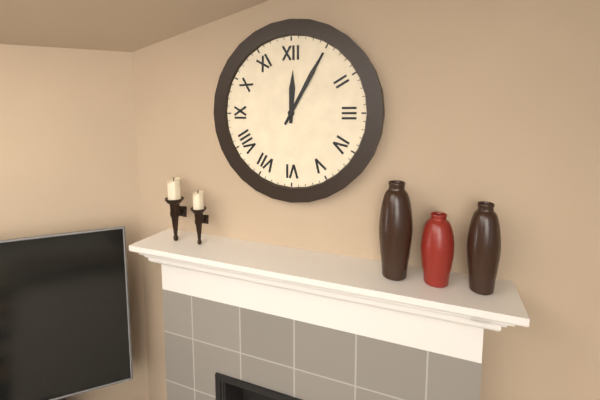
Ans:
12,05
